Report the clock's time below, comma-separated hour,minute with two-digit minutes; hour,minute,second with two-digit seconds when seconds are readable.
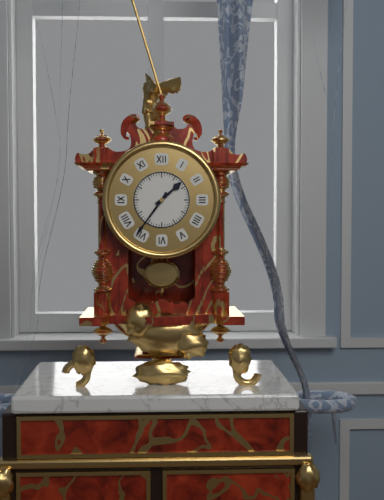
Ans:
1,36
